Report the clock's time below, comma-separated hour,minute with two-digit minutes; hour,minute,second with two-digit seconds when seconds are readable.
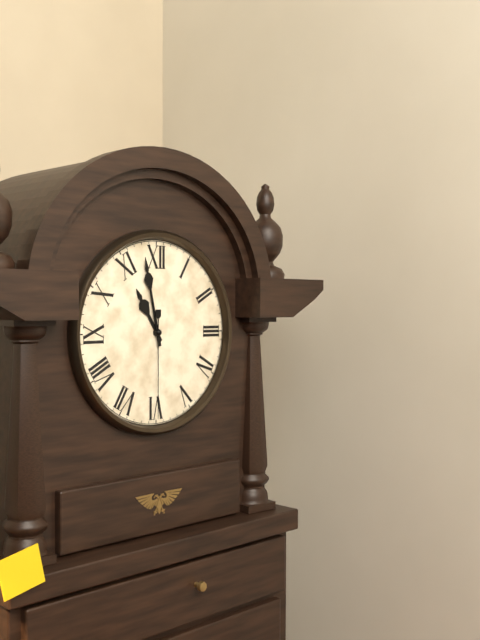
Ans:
10,58,30
